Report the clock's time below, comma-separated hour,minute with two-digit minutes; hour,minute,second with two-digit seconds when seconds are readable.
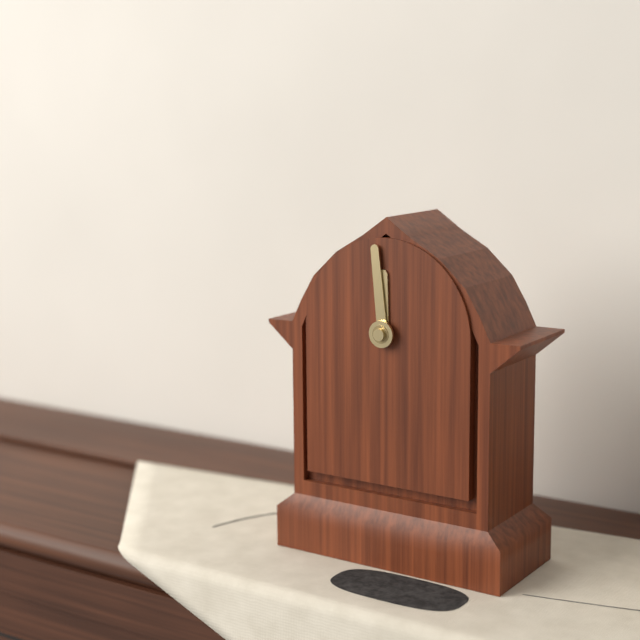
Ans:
11,59
